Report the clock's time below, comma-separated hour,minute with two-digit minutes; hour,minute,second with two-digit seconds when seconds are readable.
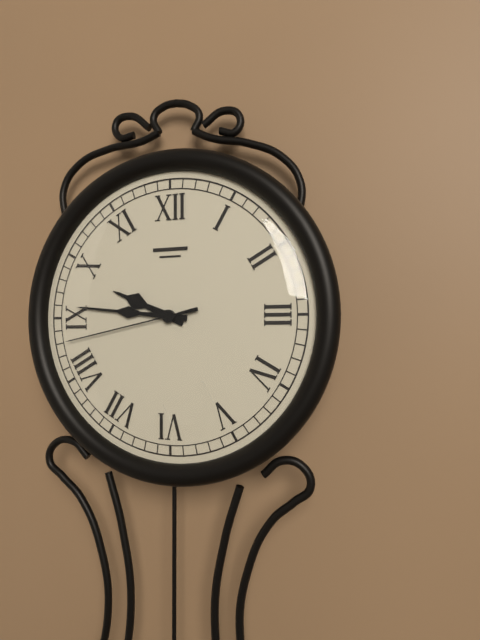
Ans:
9,46,43
